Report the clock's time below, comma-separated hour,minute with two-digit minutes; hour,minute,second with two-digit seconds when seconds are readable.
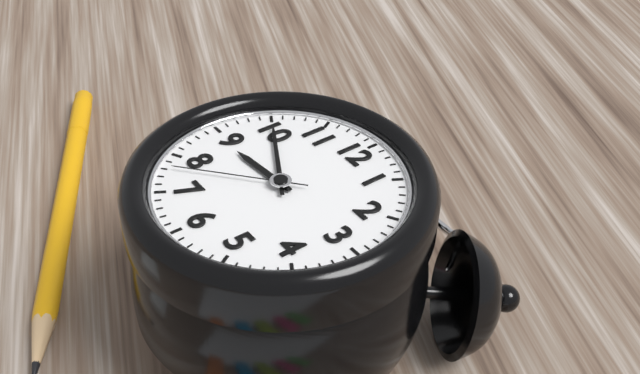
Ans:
8,50,38
